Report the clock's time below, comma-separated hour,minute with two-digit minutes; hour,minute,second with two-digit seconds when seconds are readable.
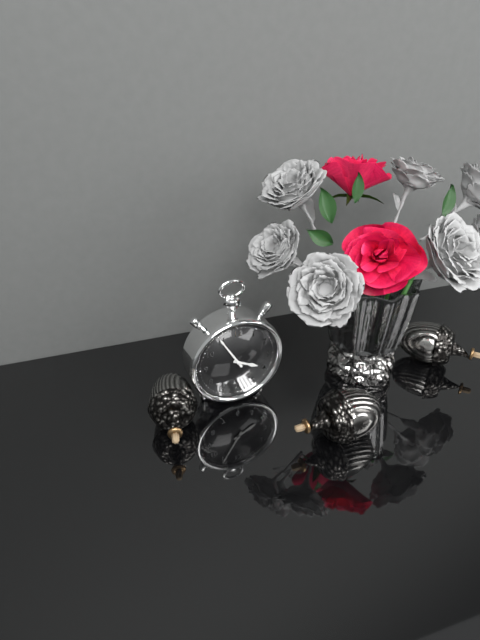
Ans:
3,55
